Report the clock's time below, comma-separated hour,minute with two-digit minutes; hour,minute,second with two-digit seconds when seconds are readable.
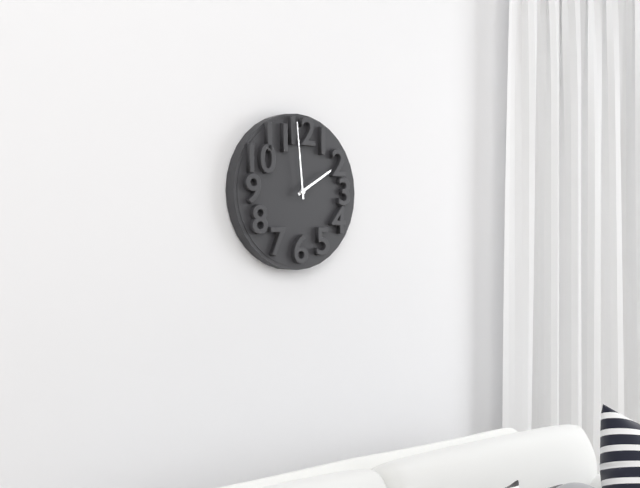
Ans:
1,59
